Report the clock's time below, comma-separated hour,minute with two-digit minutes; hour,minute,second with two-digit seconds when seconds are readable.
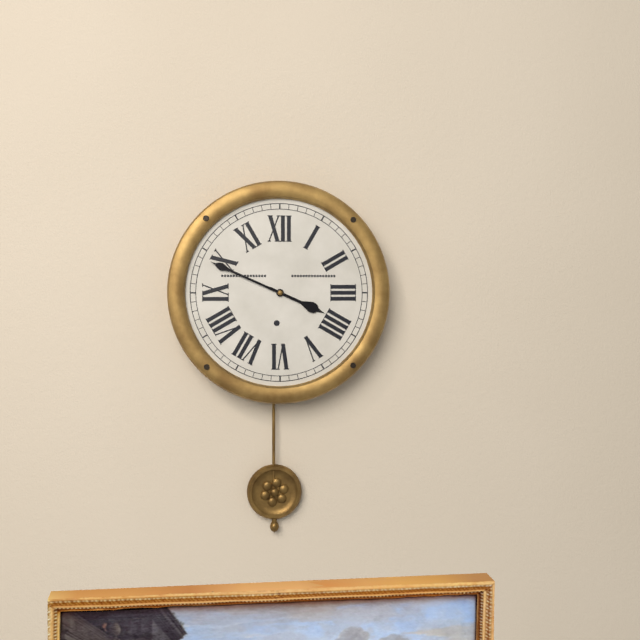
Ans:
3,49
